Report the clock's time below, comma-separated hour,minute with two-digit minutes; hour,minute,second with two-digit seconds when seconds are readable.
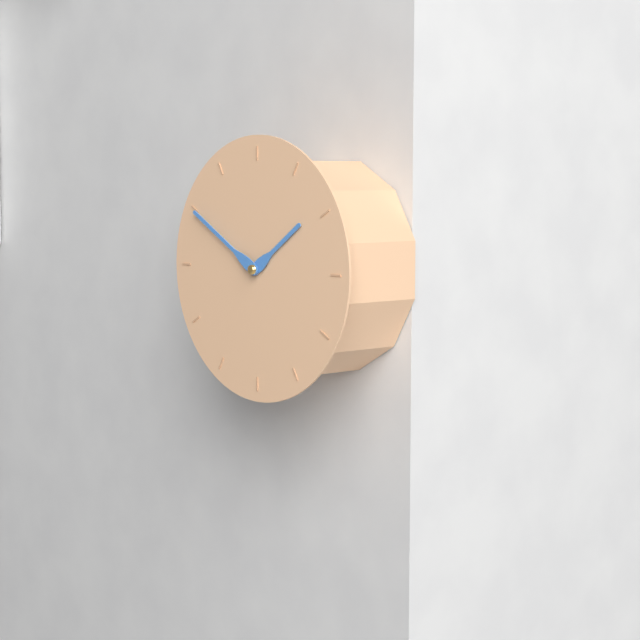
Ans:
1,50
